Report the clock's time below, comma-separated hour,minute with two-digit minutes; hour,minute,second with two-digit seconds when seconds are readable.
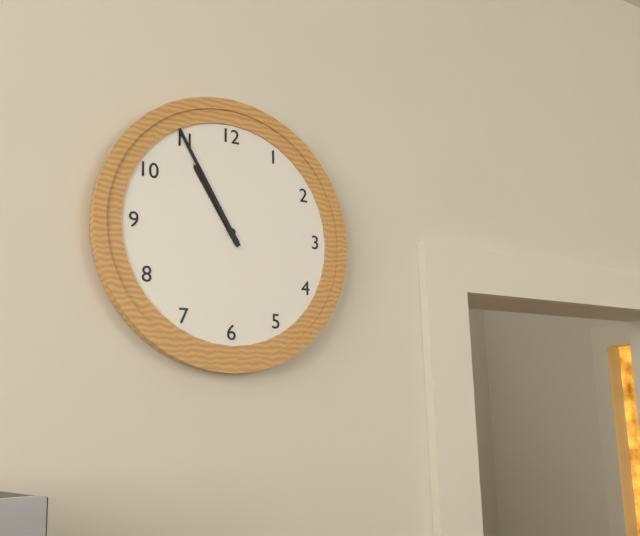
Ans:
10,55
